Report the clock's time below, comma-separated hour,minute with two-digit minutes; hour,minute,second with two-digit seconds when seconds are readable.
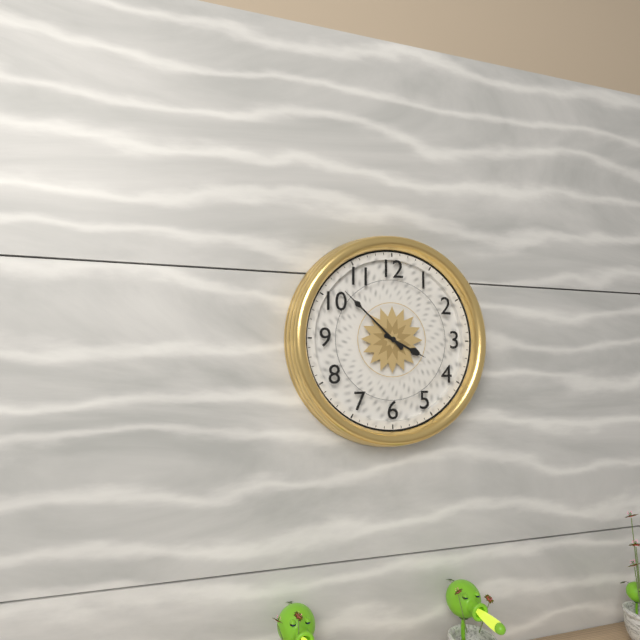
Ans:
3,52
